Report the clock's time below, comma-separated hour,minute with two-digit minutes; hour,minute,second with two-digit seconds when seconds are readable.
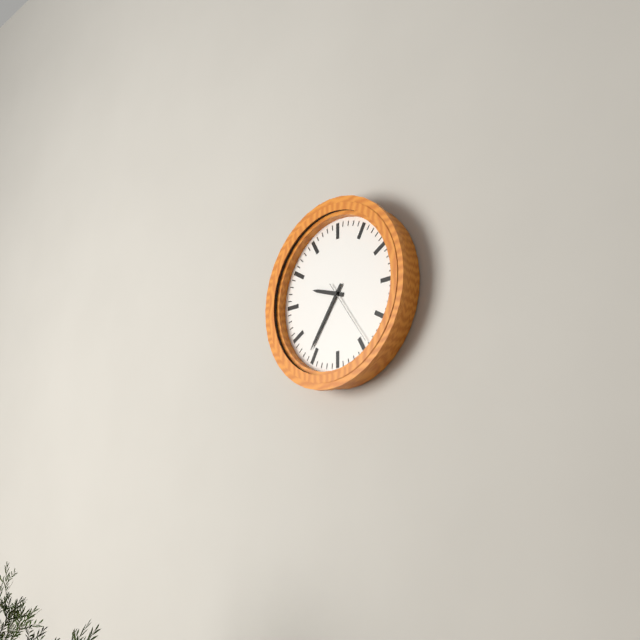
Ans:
9,36,24
